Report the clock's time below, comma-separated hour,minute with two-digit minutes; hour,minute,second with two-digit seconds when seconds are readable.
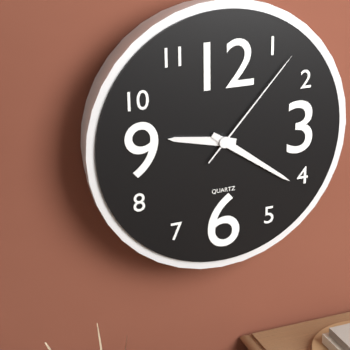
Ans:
9,21,07
